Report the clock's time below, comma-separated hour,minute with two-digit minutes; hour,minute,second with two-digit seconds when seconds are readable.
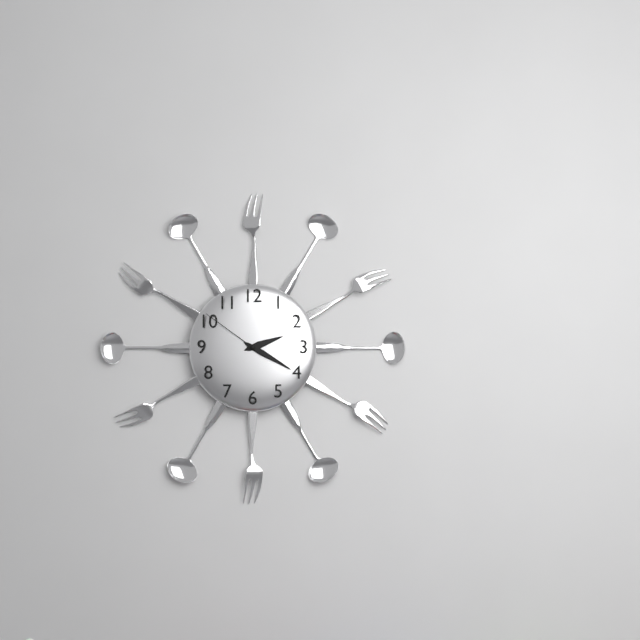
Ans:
2,20,51
